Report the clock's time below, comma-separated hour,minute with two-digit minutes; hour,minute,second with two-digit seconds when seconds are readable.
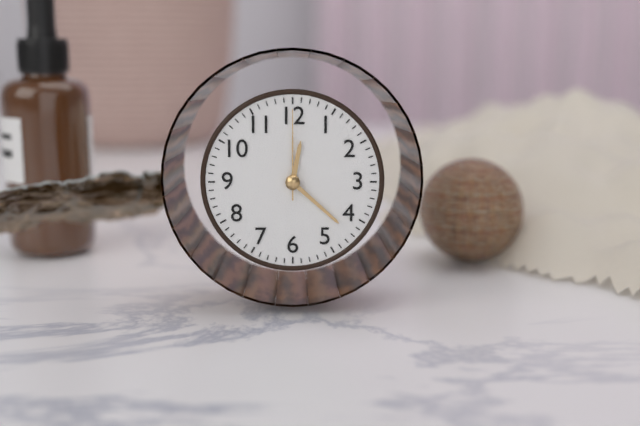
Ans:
12,22,00
